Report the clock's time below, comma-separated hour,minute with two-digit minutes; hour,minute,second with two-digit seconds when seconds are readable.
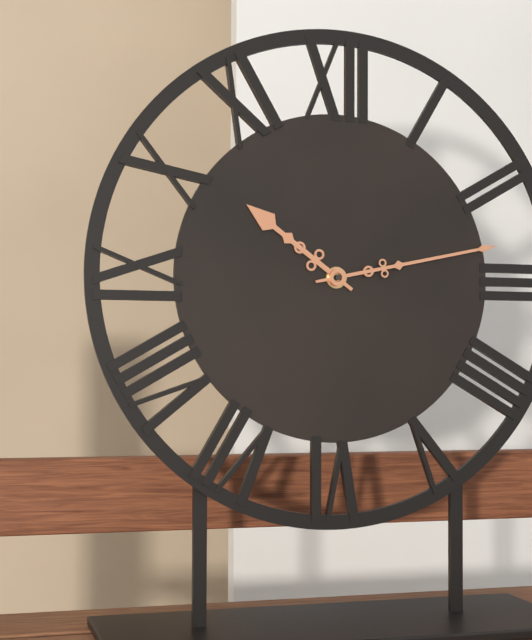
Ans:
10,13
